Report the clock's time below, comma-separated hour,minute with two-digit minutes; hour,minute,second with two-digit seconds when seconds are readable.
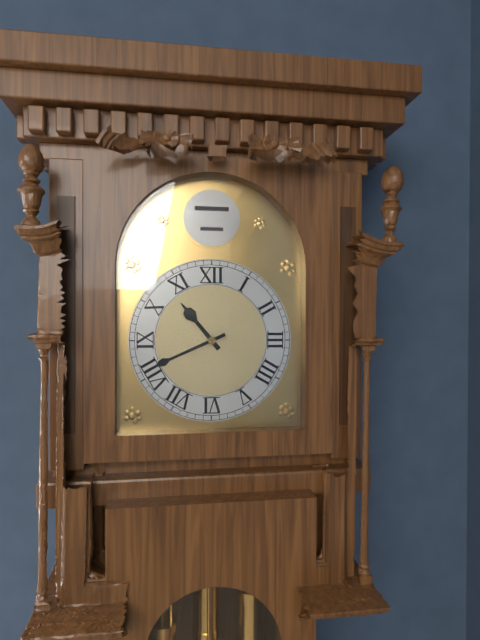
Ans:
10,41
